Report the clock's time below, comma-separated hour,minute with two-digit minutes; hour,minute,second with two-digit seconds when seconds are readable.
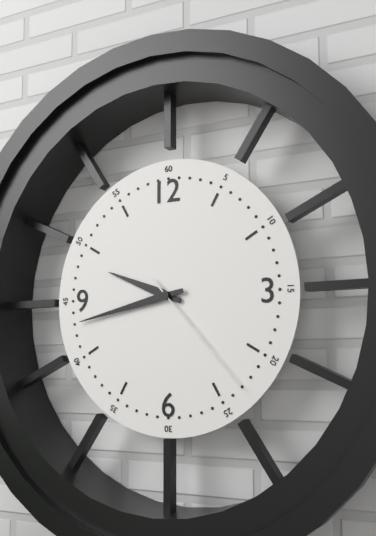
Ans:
9,43,23
